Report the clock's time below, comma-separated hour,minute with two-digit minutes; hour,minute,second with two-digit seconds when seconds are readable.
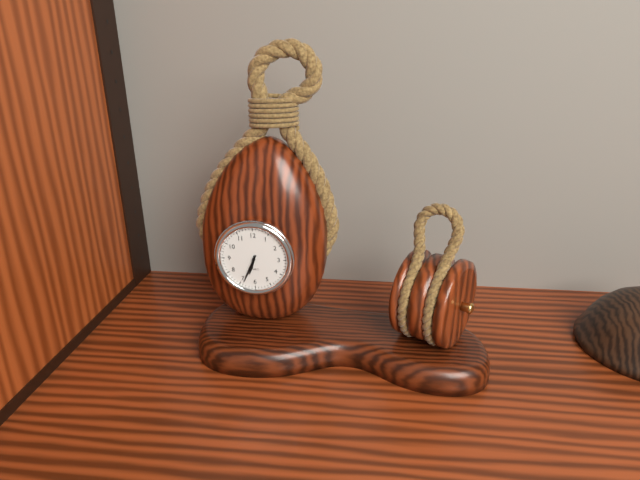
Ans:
6,34
